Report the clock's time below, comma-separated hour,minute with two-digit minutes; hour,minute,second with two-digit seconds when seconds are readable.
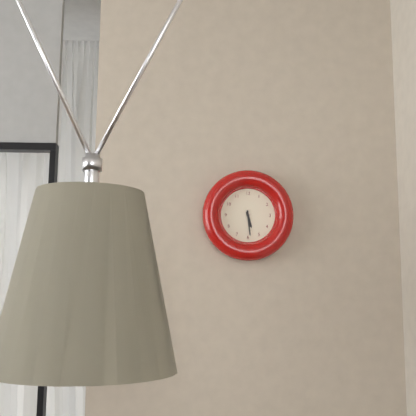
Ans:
5,29
